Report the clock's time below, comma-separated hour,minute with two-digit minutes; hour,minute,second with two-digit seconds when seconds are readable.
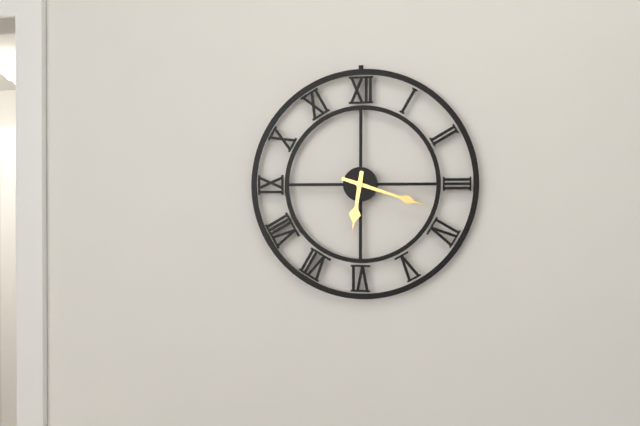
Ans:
6,18
